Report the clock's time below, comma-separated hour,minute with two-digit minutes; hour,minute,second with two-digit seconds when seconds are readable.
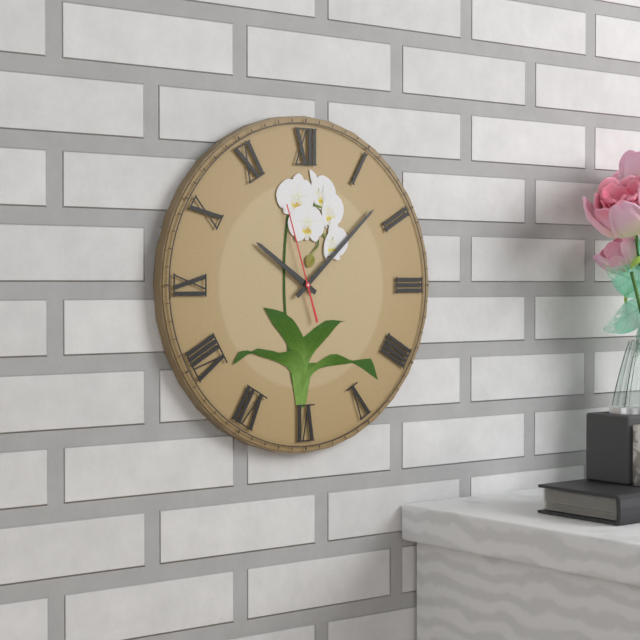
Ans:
10,08,57
